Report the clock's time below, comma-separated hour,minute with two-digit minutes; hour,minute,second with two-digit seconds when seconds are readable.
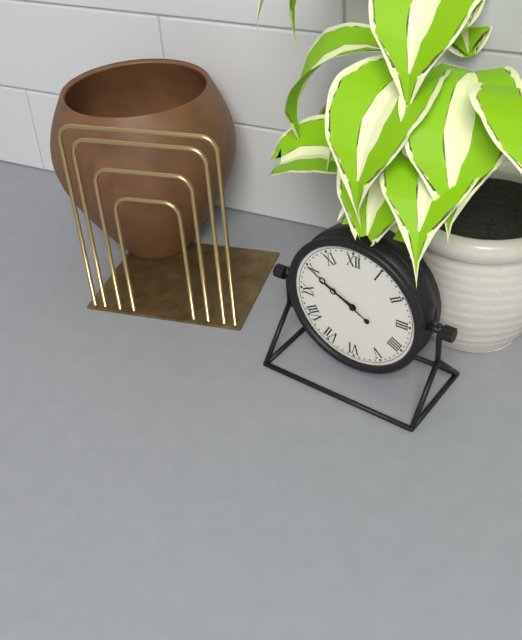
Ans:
9,50
